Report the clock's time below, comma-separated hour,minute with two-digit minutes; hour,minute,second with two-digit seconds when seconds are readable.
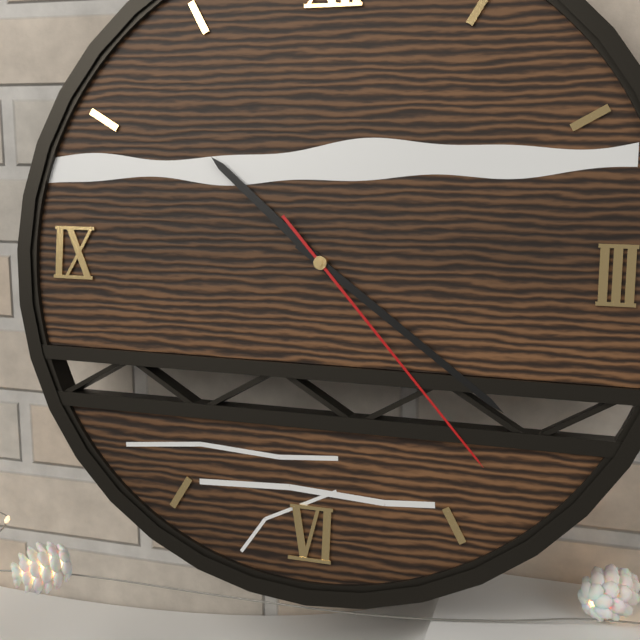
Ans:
10,21,23
